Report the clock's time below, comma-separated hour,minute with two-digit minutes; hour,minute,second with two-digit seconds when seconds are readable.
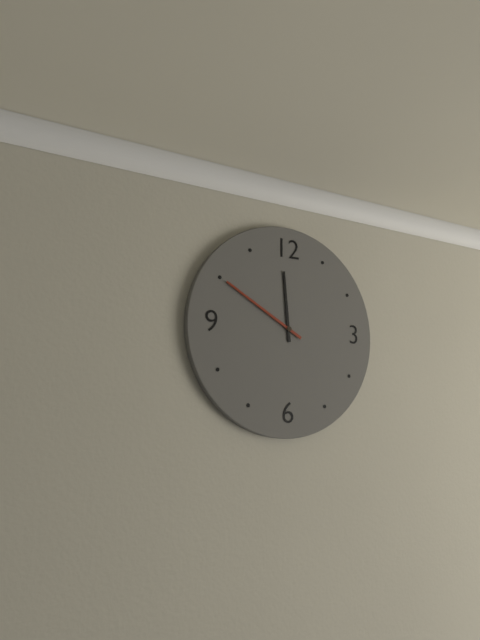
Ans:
11,50
